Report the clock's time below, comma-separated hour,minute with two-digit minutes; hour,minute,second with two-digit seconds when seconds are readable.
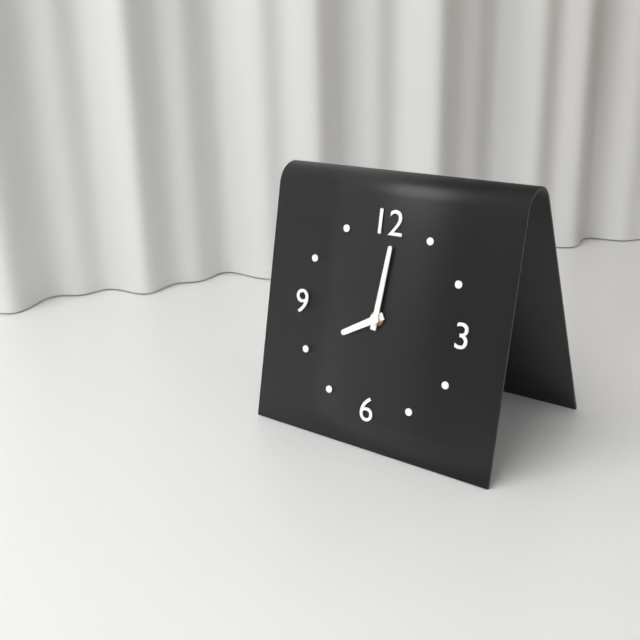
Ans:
8,01
